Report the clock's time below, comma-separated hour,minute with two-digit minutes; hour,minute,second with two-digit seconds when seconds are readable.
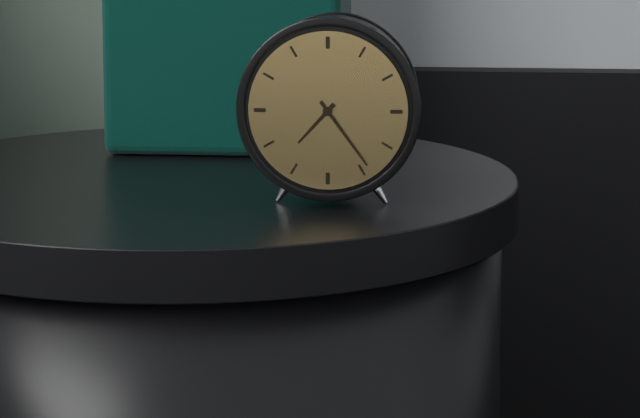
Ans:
7,24
